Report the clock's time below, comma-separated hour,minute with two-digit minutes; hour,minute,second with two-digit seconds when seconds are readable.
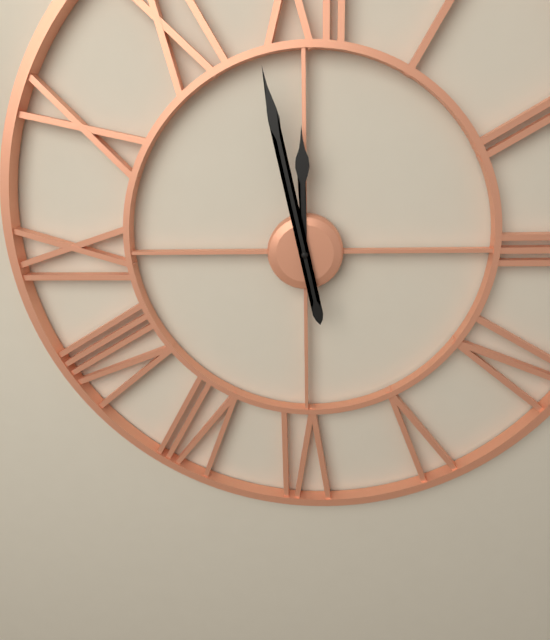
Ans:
11,58
